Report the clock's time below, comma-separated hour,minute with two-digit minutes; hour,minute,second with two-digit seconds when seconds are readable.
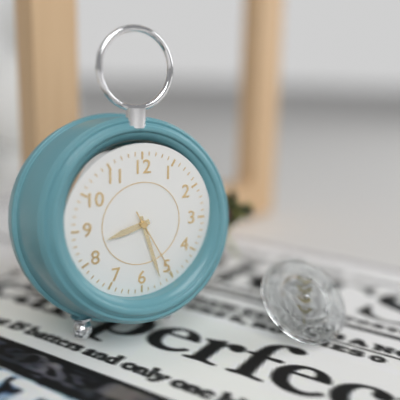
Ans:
8,27,25
